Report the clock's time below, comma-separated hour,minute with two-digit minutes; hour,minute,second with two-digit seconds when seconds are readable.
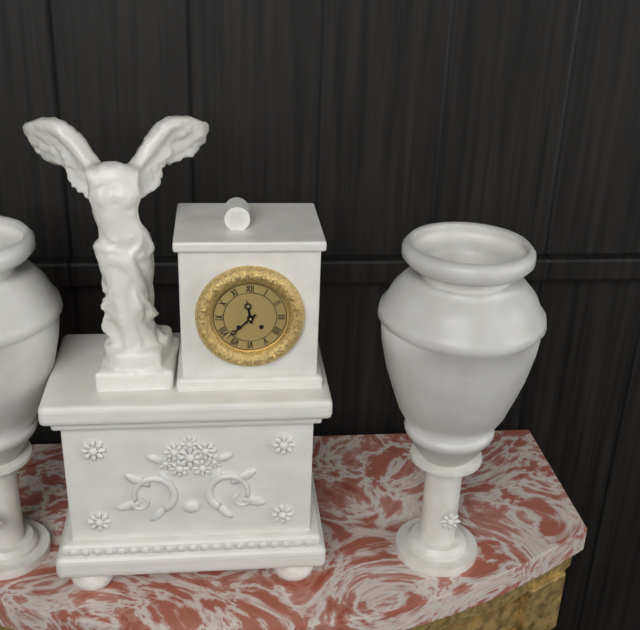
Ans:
11,38
